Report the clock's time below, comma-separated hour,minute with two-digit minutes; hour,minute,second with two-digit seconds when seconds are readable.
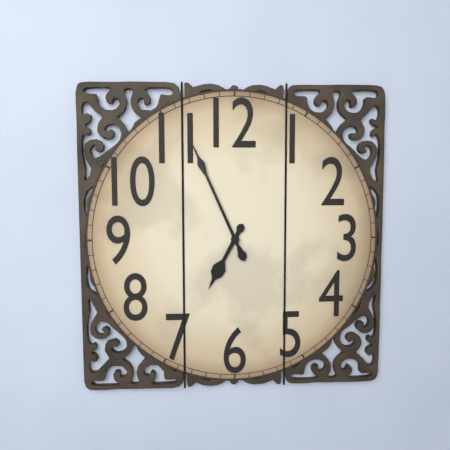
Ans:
6,56
